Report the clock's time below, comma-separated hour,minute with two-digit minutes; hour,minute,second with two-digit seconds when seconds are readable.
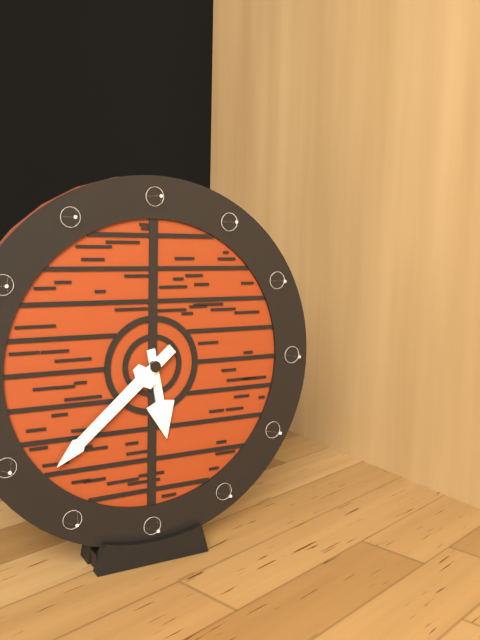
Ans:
5,38
